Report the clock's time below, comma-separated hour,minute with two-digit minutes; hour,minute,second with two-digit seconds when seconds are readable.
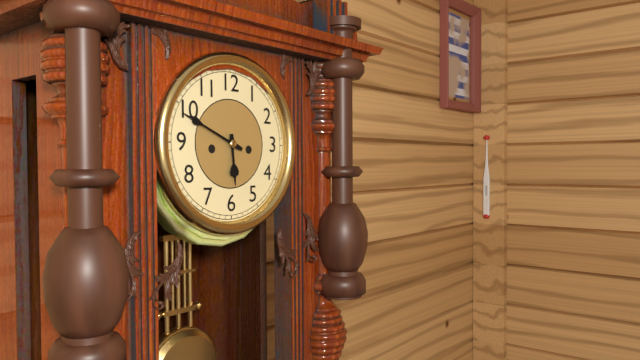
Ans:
5,49
